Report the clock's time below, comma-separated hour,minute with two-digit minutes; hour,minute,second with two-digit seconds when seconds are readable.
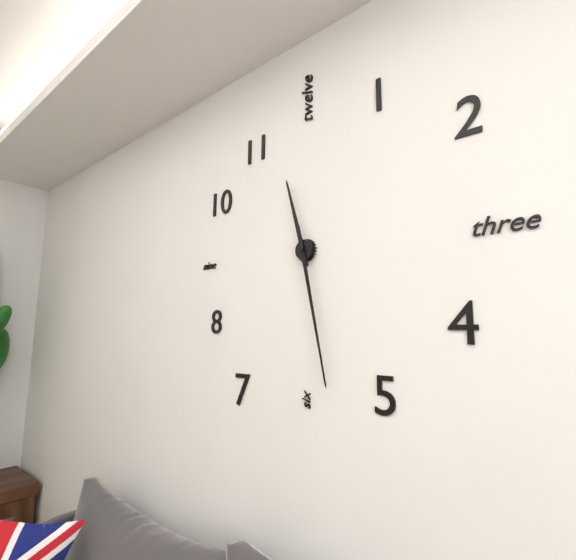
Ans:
11,28
